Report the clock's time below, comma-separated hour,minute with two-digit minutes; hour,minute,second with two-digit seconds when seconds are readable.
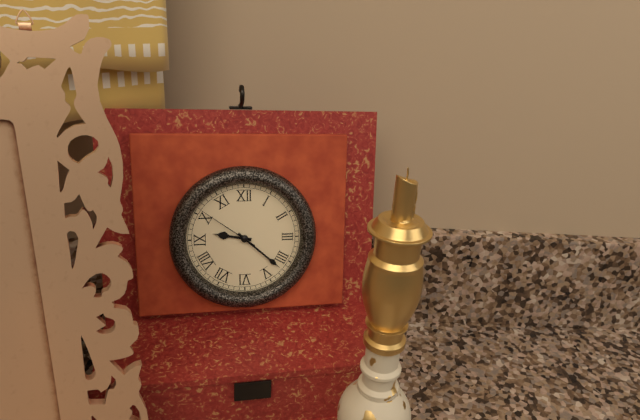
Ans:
9,22,51
